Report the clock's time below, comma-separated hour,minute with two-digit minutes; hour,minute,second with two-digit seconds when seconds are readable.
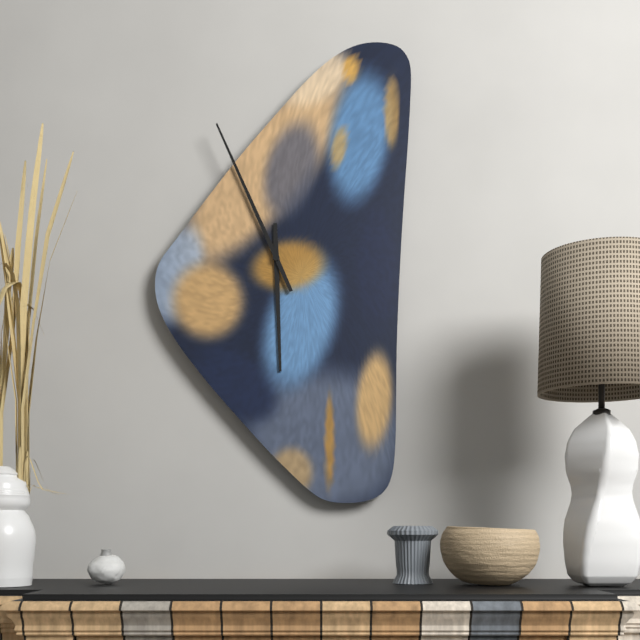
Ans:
5,56
